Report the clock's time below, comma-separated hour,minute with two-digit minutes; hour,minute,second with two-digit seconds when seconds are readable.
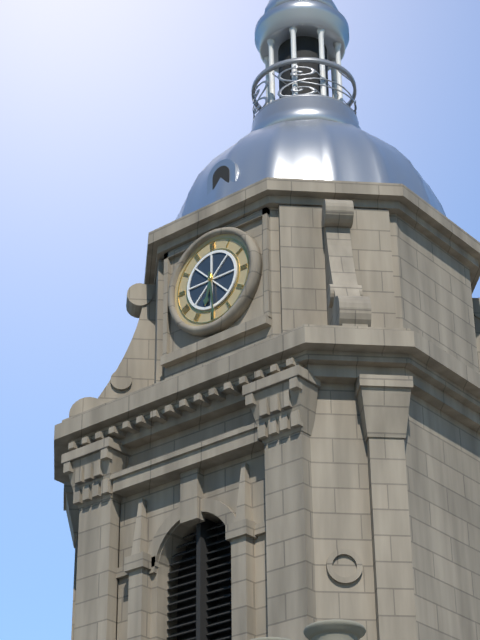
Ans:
6,29
